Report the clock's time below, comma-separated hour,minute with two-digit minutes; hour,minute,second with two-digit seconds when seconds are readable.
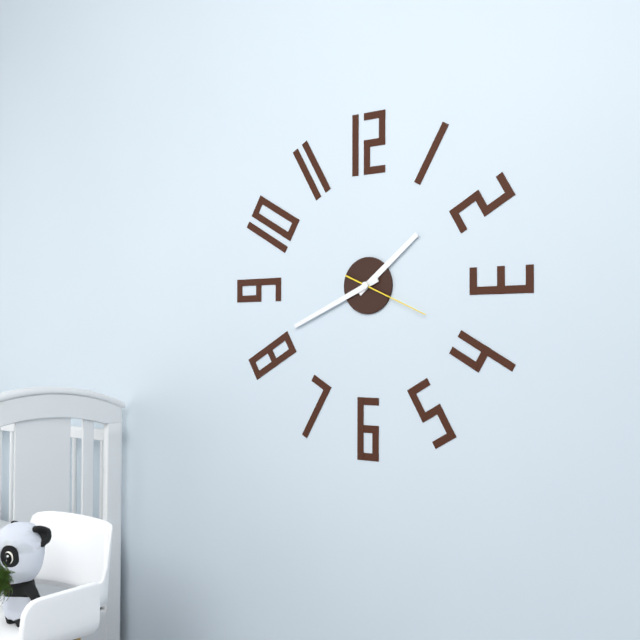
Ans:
1,41,19
